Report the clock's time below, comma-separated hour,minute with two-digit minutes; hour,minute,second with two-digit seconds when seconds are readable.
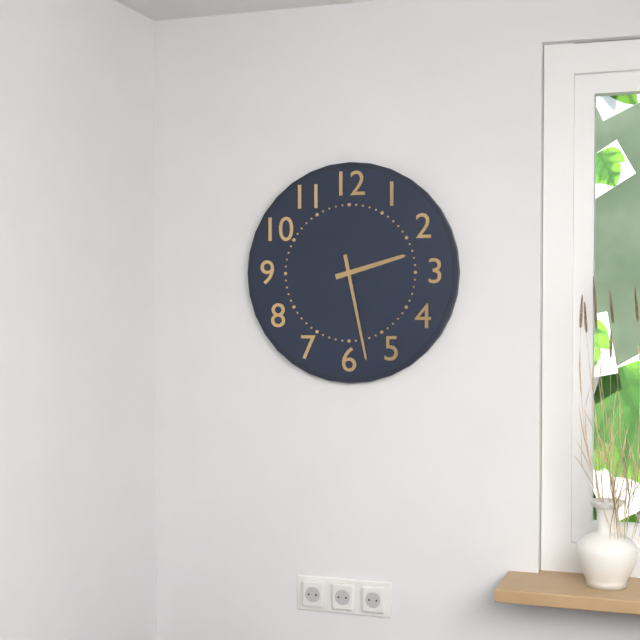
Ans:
2,28
